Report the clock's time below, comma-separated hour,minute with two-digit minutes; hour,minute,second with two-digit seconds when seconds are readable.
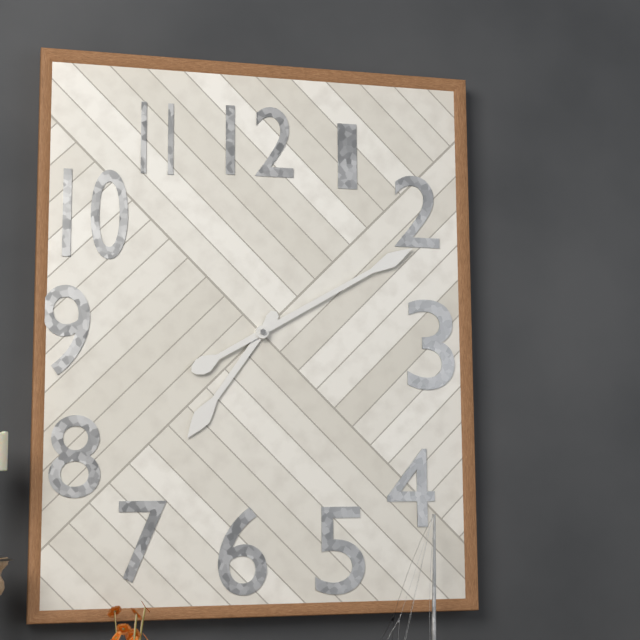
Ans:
7,10
